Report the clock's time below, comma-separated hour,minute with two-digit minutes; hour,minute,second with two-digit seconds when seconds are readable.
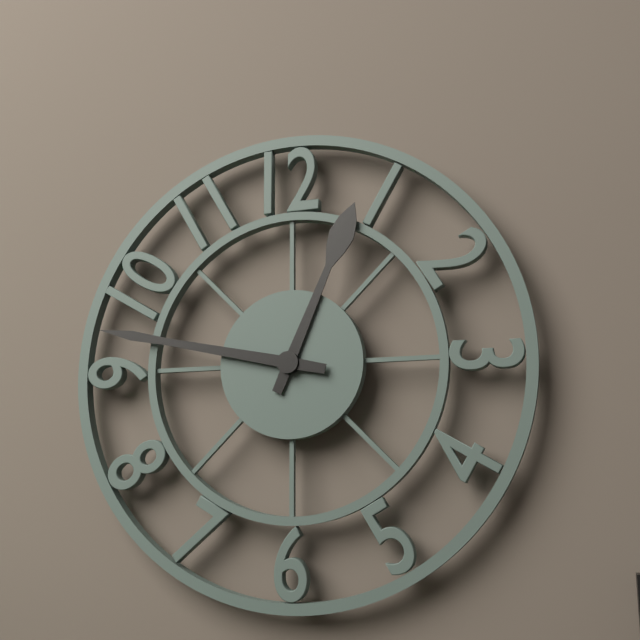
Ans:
12,47
